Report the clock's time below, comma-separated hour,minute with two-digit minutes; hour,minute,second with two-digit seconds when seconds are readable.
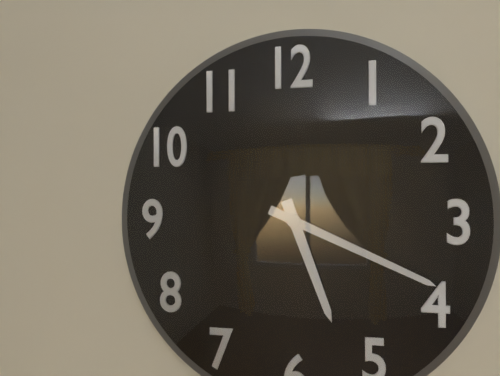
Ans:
5,19
